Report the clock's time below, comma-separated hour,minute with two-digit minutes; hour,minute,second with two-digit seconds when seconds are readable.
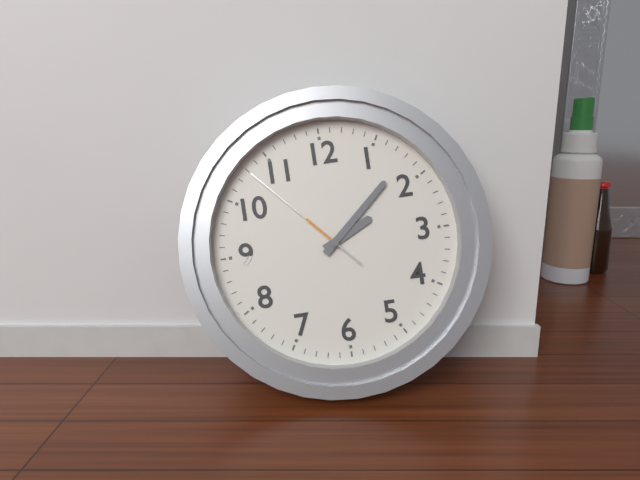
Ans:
2,08,53
